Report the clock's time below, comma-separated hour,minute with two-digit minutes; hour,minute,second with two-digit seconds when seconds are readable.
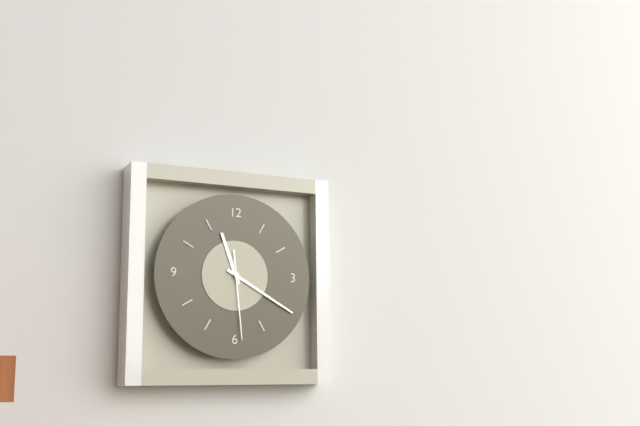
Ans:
11,20,29
